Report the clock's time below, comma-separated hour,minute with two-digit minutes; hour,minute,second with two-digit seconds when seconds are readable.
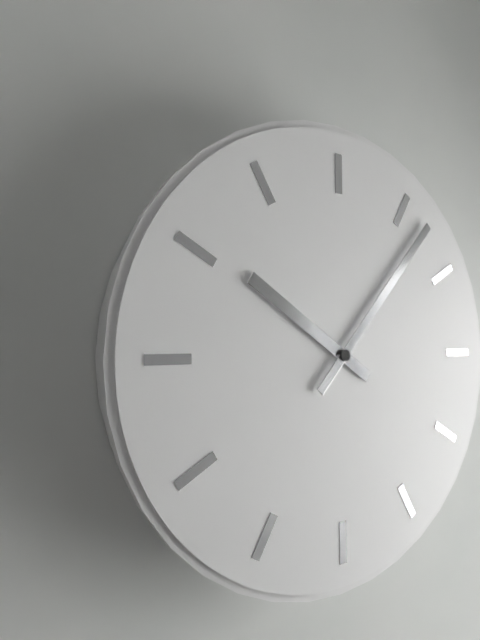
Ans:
10,07
